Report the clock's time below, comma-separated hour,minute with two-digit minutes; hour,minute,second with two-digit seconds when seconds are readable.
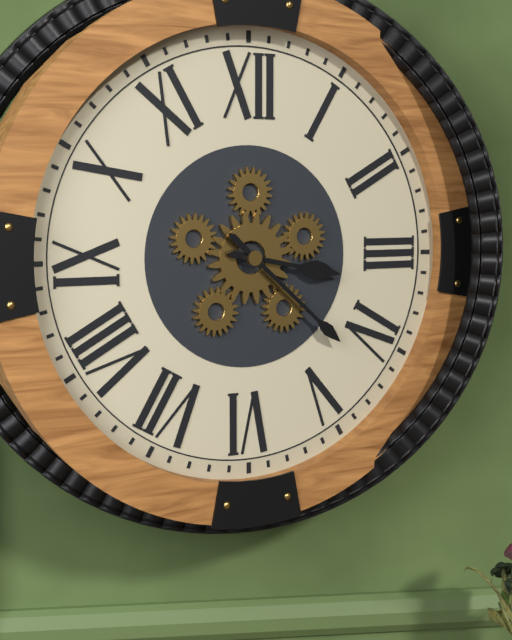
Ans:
3,22
